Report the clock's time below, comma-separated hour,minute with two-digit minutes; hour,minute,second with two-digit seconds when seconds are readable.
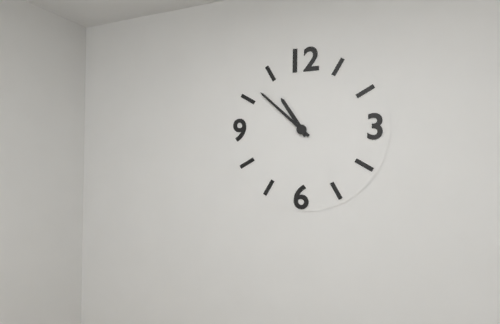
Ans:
10,52
